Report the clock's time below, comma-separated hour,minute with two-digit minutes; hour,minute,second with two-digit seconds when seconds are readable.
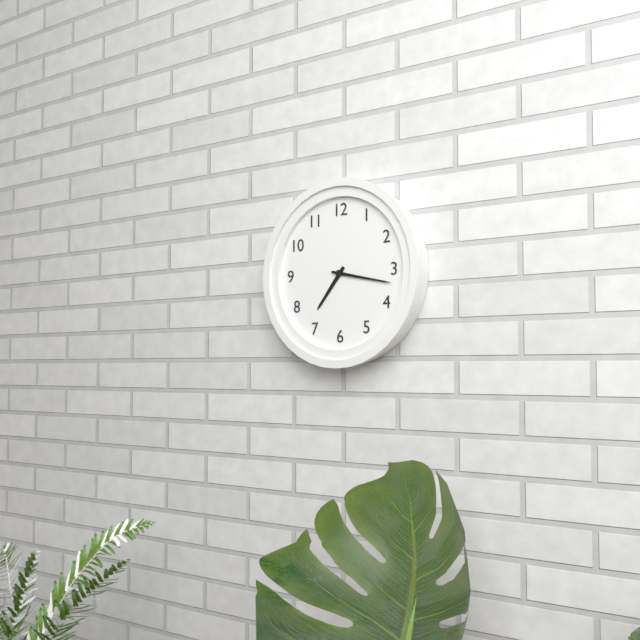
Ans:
7,17
